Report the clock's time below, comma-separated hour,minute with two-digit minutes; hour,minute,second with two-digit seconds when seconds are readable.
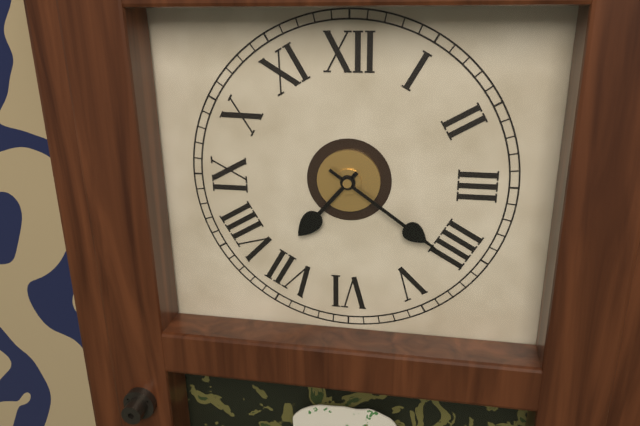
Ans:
7,21
